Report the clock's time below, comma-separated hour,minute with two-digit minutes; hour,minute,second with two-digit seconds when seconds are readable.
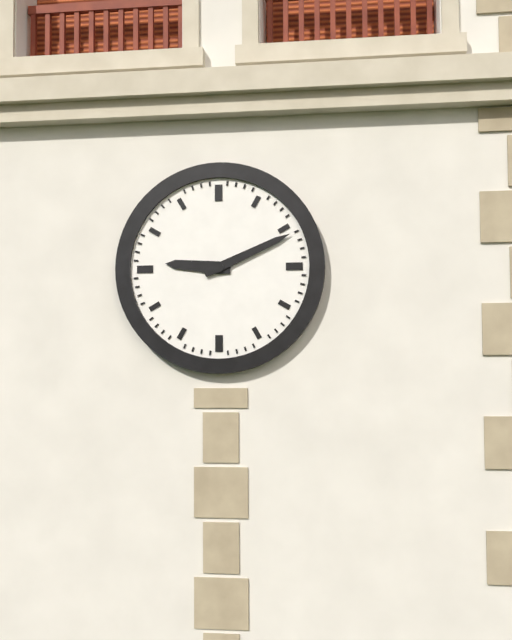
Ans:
9,11
